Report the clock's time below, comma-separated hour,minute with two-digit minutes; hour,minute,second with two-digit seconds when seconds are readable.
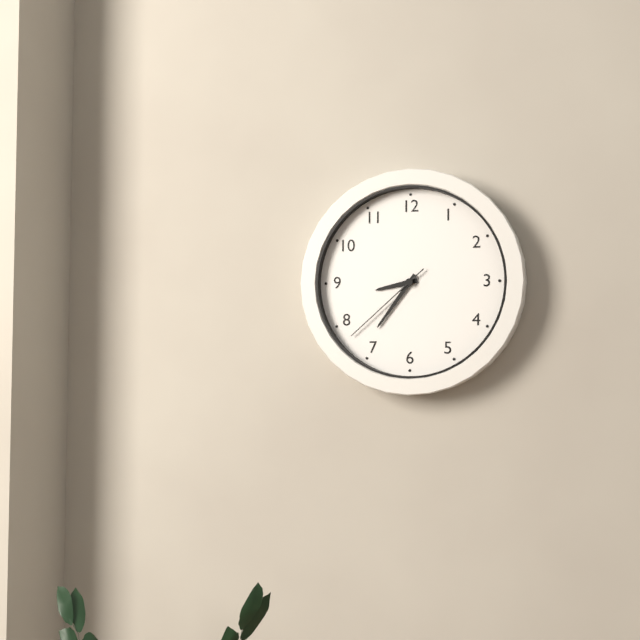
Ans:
8,36,38
